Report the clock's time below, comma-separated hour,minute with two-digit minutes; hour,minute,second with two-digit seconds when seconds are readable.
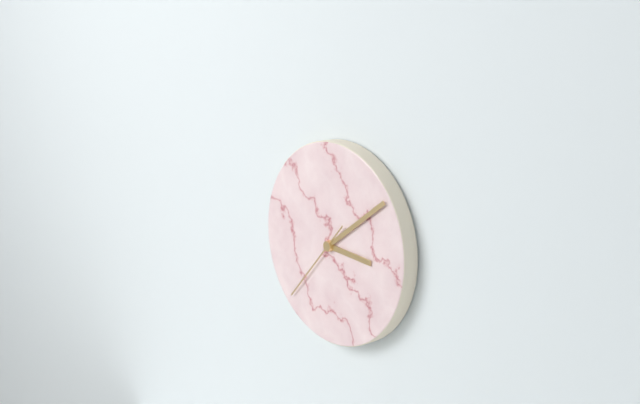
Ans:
3,09,37
